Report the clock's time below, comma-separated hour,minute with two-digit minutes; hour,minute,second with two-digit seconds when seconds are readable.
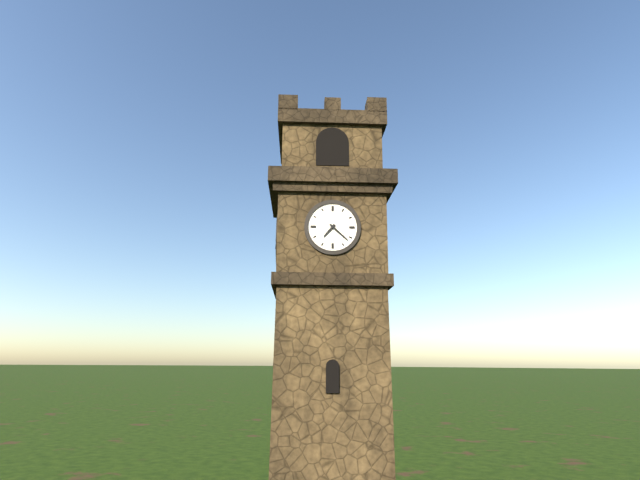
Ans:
7,22
